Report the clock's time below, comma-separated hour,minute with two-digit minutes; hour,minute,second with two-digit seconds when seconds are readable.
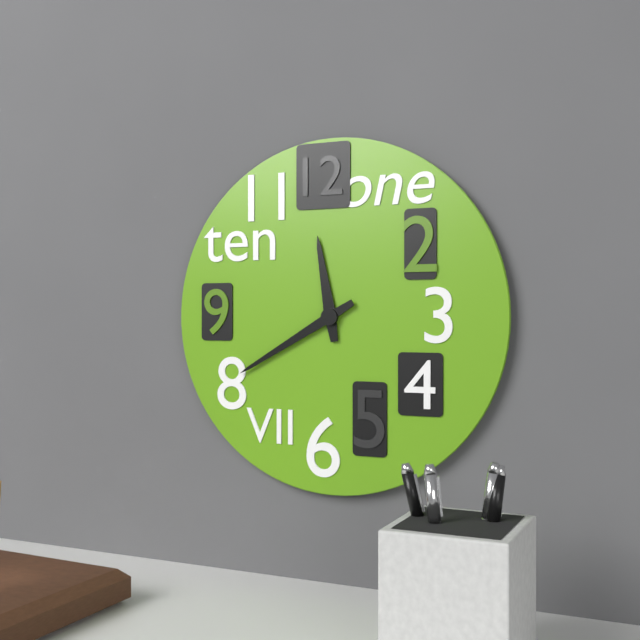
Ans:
11,40
